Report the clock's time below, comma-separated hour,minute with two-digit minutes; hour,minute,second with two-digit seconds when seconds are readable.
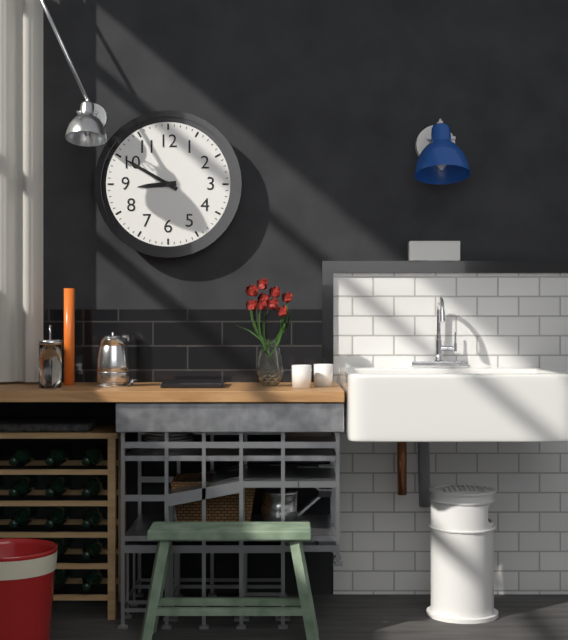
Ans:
8,50
